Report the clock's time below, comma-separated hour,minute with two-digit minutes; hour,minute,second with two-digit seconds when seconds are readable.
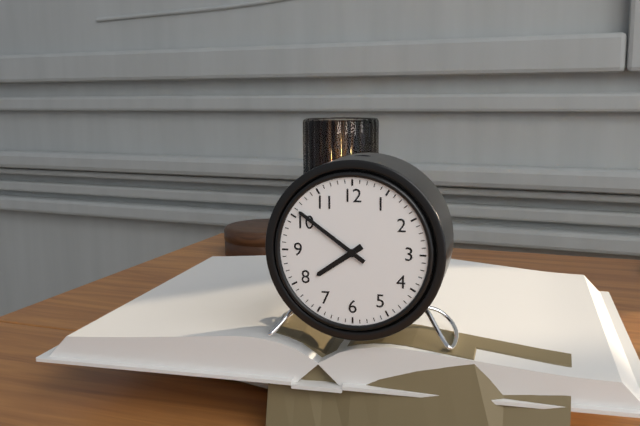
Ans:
7,51
